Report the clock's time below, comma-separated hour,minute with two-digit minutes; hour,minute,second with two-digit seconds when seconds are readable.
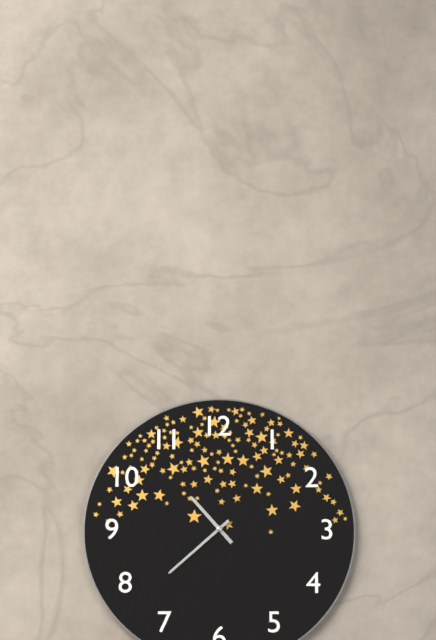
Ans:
10,38
